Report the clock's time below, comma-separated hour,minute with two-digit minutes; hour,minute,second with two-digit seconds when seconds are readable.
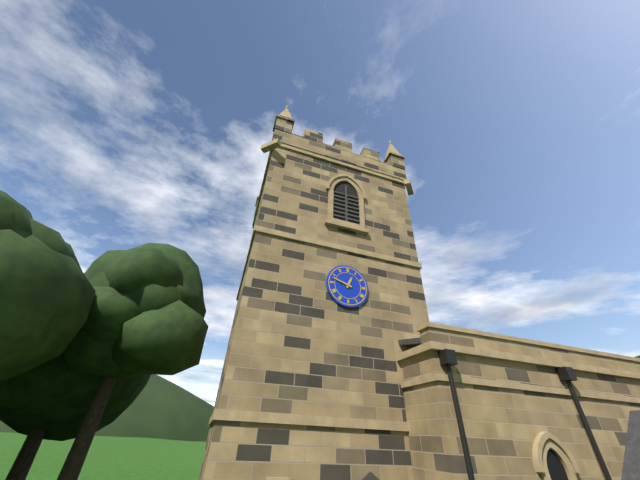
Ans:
12,48
